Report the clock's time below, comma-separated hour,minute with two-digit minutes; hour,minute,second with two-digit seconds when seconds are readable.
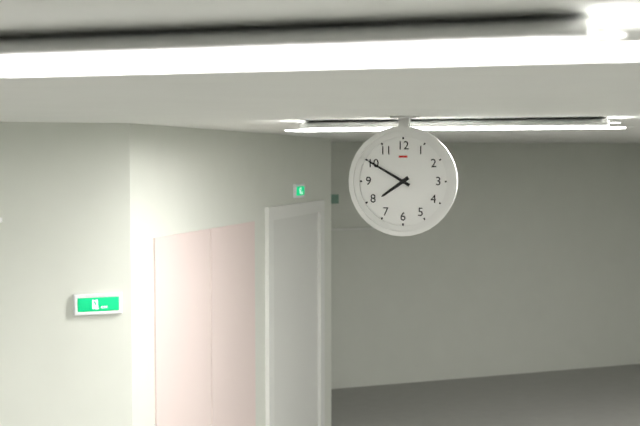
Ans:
7,50
